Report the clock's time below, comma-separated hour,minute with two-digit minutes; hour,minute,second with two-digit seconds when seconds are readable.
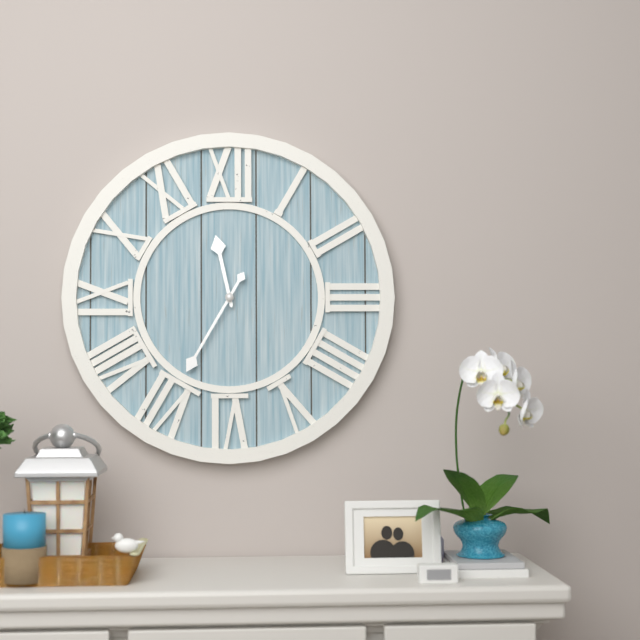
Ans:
11,35
